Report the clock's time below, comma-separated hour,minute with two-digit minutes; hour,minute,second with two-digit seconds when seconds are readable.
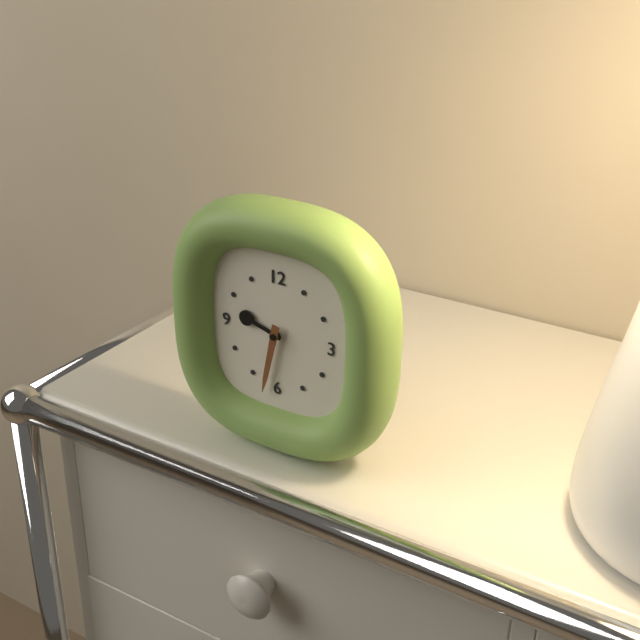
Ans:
9,32
